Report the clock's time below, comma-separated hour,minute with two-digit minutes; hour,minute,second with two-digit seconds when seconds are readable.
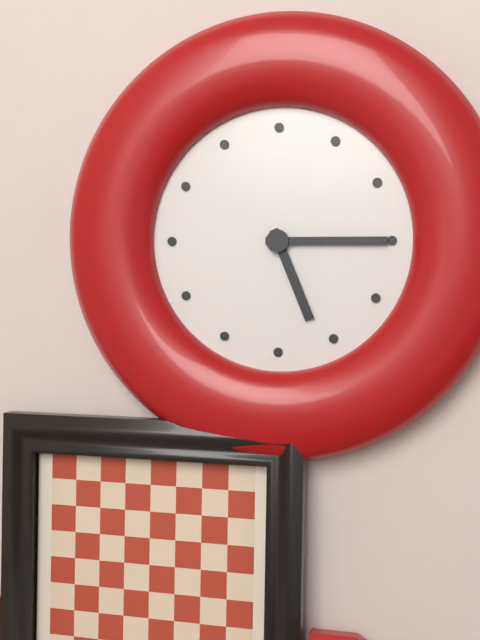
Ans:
5,15
